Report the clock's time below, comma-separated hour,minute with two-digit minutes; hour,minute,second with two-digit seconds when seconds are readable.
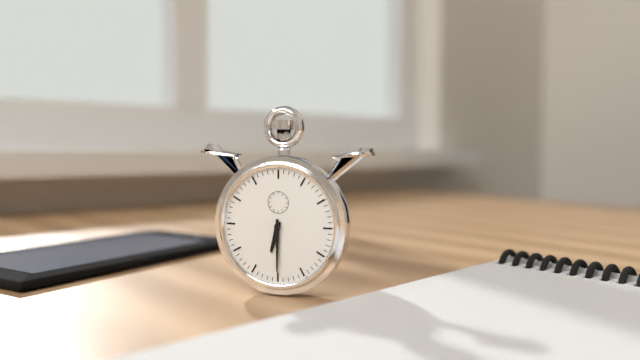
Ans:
6,30
